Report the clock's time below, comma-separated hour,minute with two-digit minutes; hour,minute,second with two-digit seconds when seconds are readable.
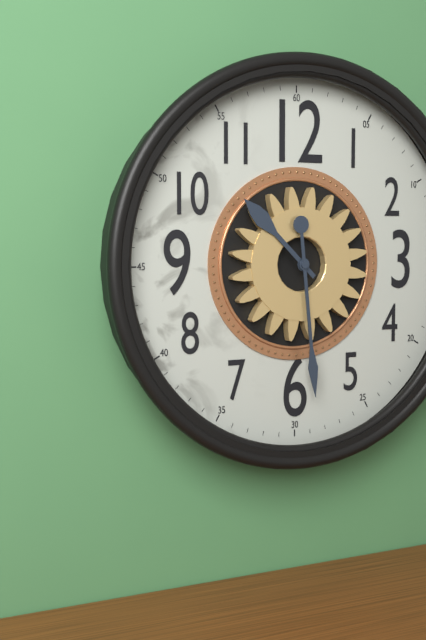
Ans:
10,29
